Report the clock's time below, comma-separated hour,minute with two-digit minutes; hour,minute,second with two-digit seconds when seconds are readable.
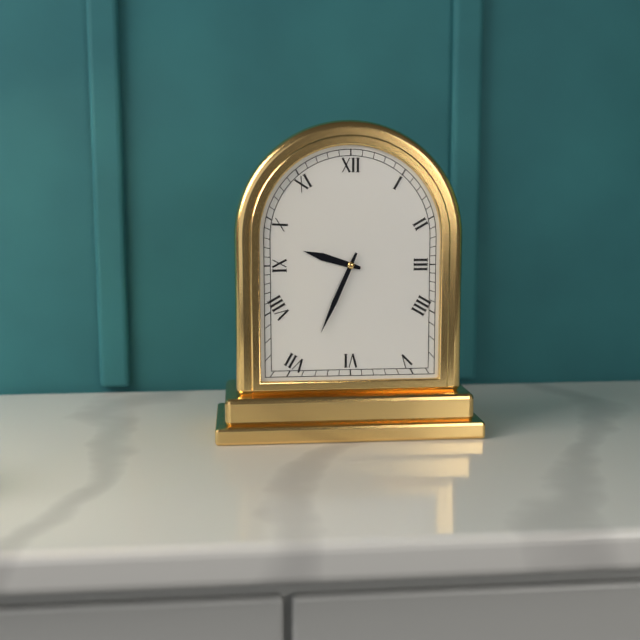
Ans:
9,34
